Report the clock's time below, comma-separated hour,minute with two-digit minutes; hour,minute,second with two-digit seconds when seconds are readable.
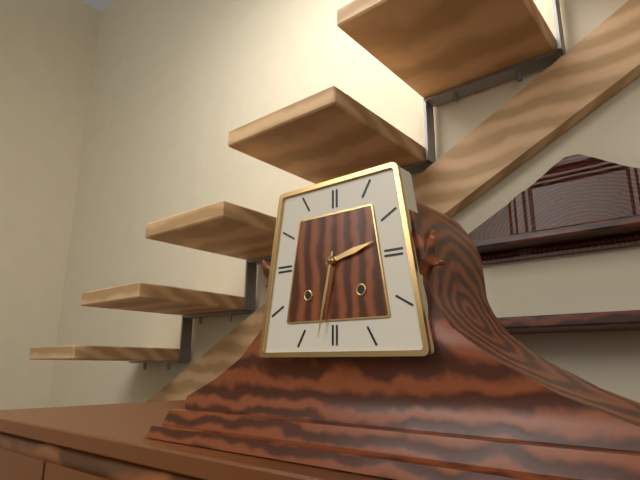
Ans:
2,32
